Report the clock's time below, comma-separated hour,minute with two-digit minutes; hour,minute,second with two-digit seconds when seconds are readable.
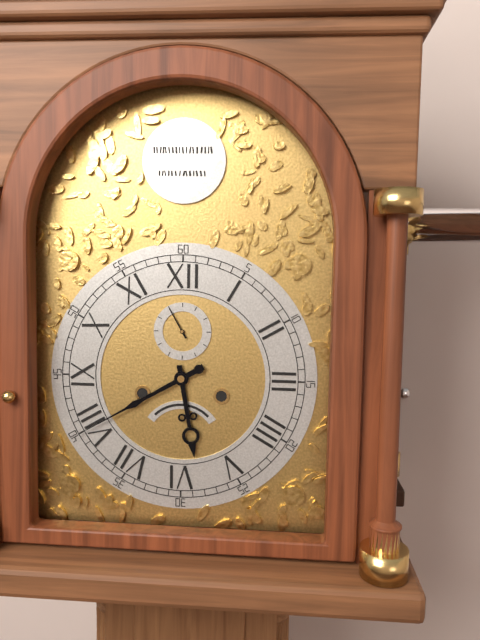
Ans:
5,40
